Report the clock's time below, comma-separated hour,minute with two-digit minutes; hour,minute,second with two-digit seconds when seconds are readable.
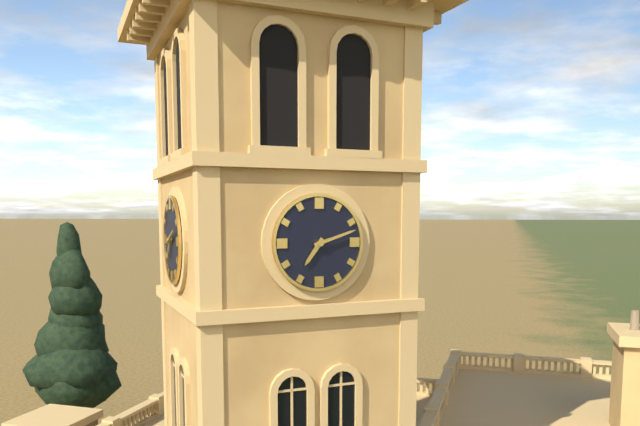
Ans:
7,12
